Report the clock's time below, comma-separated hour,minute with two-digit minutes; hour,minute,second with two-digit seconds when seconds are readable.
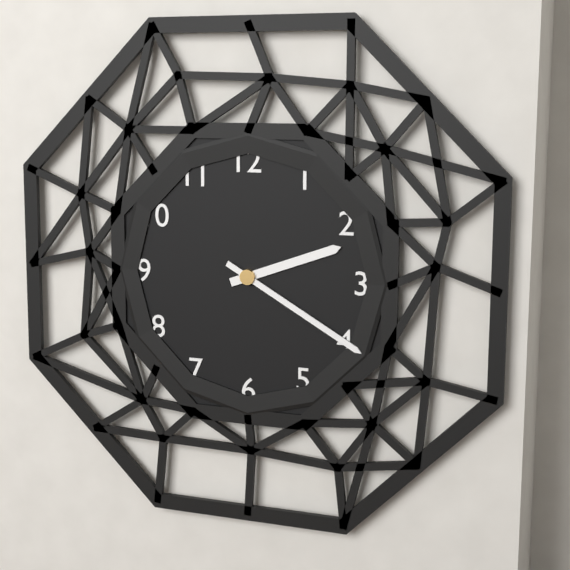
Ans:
2,20
